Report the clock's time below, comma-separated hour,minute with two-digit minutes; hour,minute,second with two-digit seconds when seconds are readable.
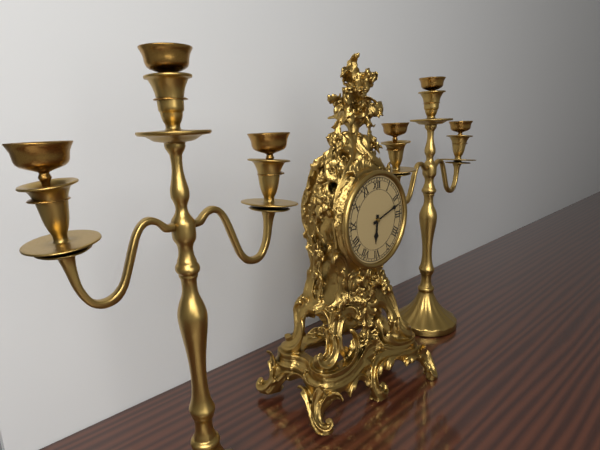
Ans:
6,12
